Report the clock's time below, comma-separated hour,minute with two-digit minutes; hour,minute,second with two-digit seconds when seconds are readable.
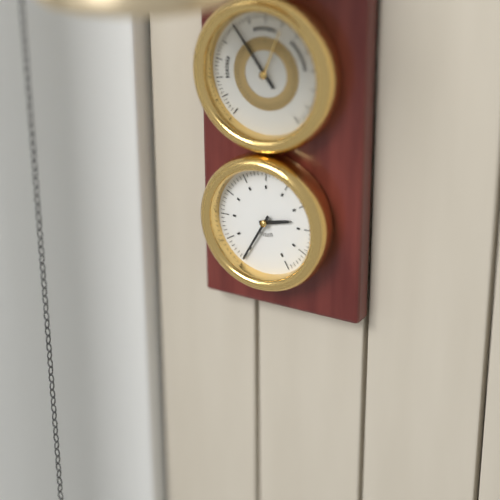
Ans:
2,35
